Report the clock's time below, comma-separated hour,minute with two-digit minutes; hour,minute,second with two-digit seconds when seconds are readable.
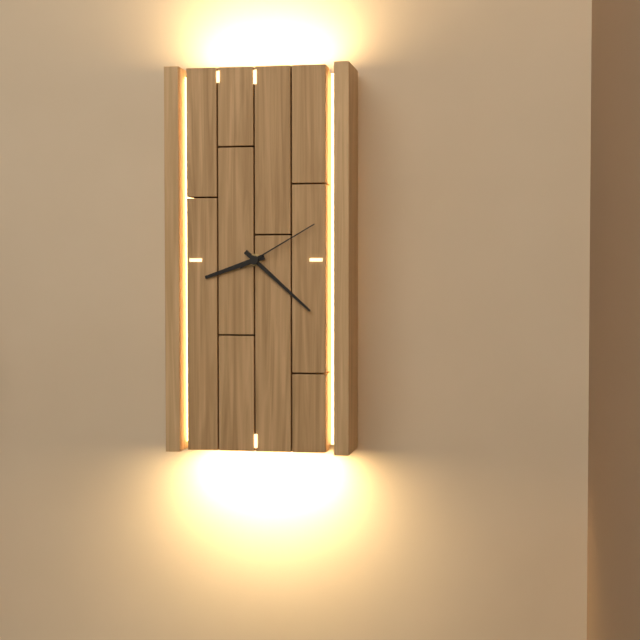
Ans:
8,22,10
